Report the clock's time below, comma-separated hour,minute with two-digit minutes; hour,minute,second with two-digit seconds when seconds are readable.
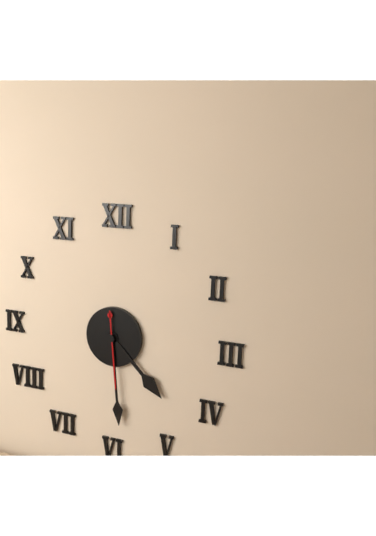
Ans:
4,29,29
